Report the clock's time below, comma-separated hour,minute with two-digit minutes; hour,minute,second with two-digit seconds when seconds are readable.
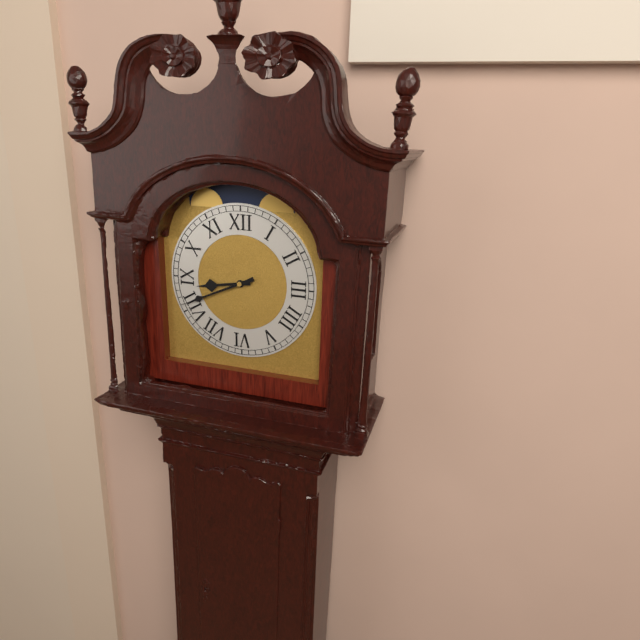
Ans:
8,41
